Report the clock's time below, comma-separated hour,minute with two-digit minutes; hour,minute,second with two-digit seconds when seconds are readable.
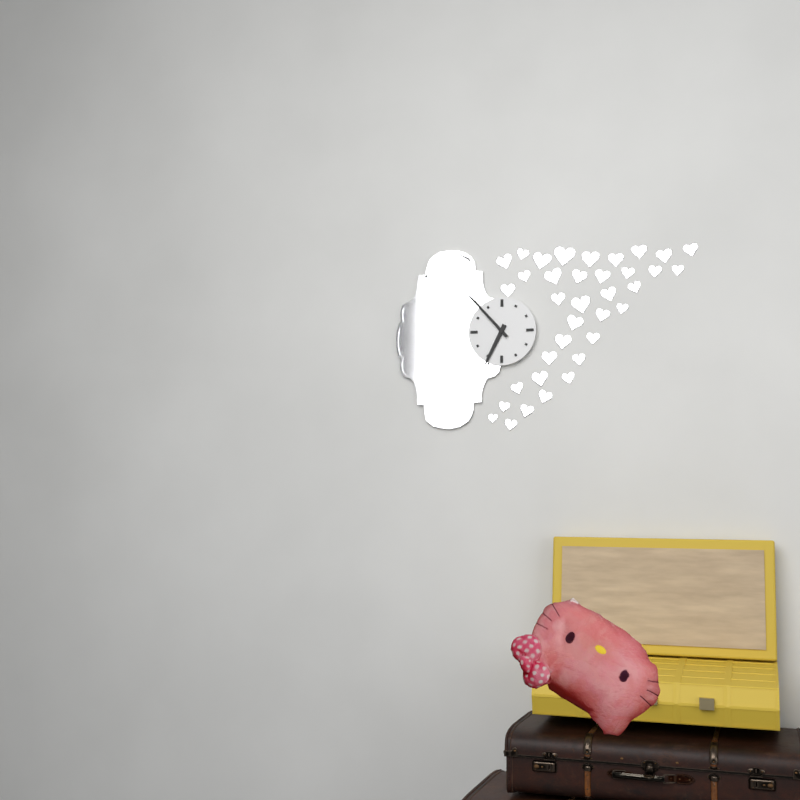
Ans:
6,53
